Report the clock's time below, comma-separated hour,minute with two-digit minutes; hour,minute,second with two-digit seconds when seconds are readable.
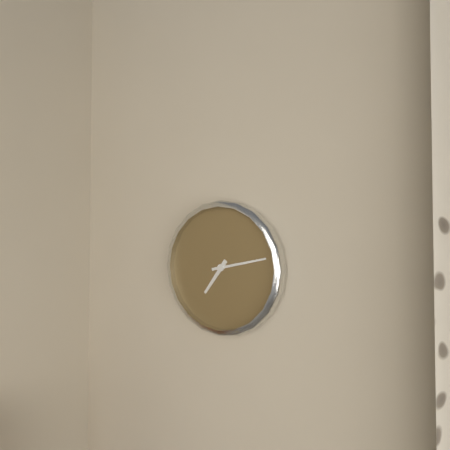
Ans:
7,13
